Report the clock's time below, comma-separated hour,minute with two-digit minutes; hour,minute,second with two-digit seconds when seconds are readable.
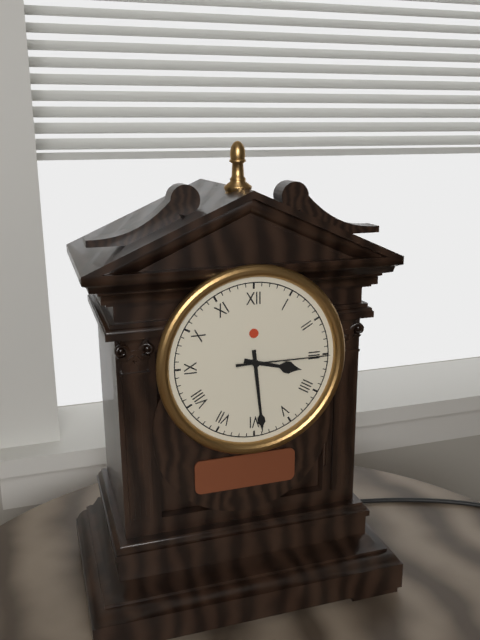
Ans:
3,29,15
